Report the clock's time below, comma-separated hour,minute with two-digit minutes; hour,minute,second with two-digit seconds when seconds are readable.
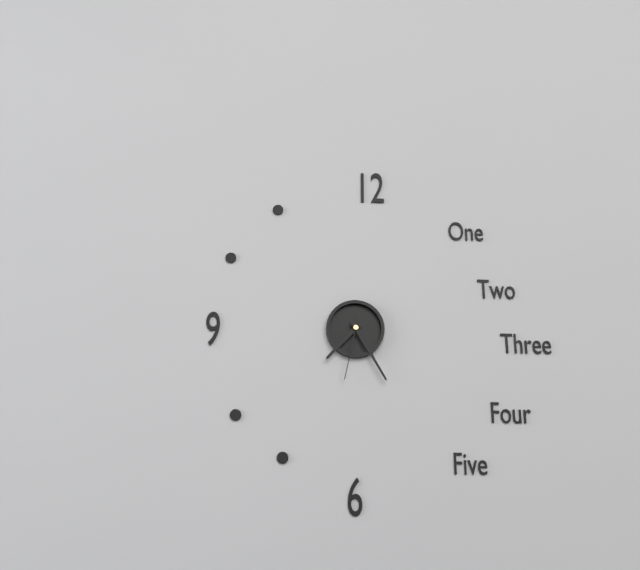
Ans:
7,25,32
